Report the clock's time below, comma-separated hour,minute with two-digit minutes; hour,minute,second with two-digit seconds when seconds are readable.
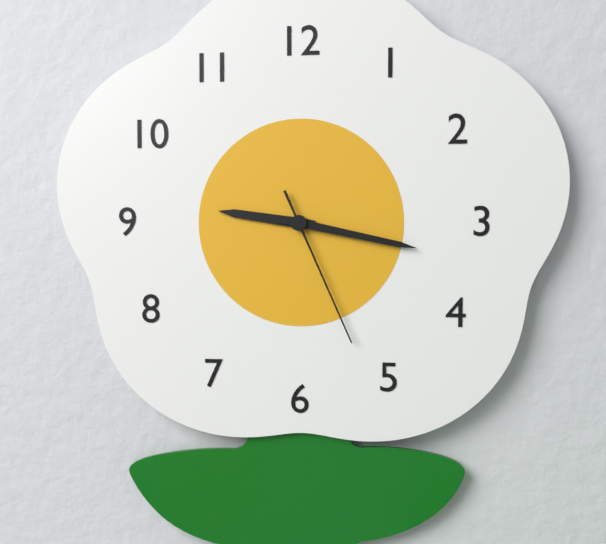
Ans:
9,17,26
